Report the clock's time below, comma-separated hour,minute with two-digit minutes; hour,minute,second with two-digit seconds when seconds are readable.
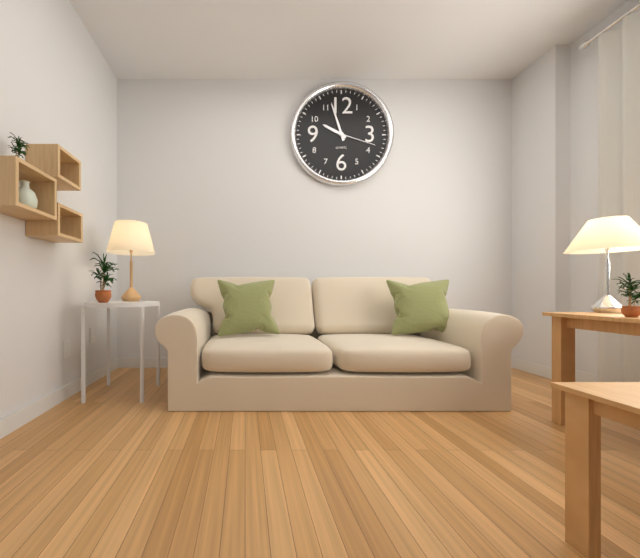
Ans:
9,57
